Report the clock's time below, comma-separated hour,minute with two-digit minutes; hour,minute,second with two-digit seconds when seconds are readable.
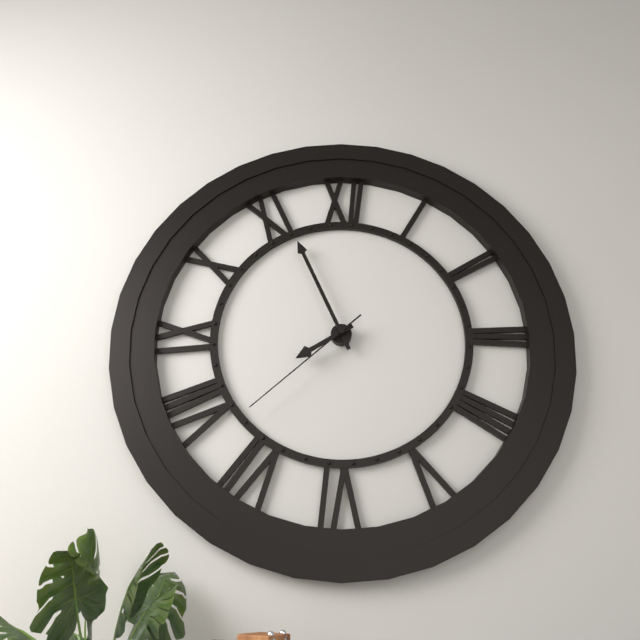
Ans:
7,56,38
